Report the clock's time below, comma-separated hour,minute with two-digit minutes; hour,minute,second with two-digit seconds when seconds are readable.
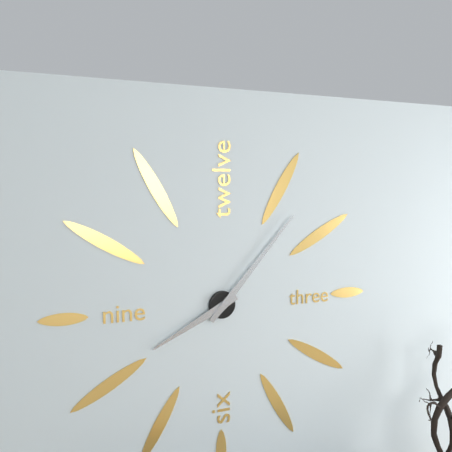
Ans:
8,07
